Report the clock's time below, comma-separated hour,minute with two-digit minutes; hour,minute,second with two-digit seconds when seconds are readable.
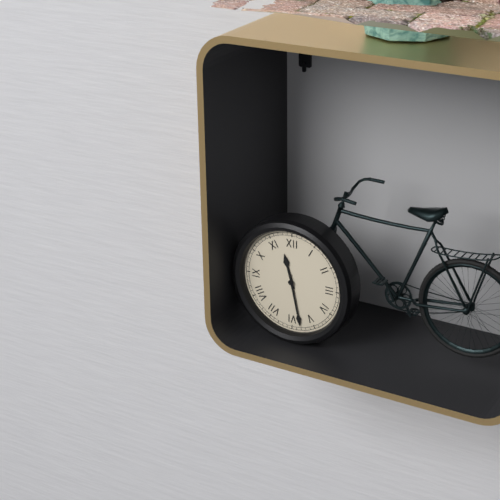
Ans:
11,28
